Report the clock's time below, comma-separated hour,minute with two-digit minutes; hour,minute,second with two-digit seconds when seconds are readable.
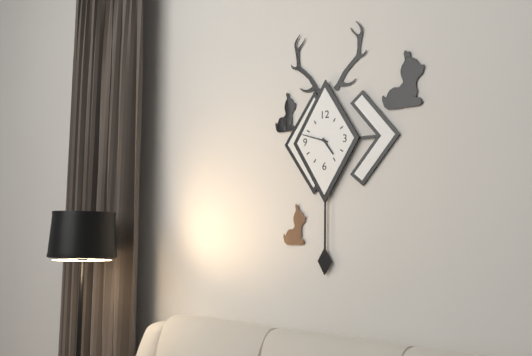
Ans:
4,48
